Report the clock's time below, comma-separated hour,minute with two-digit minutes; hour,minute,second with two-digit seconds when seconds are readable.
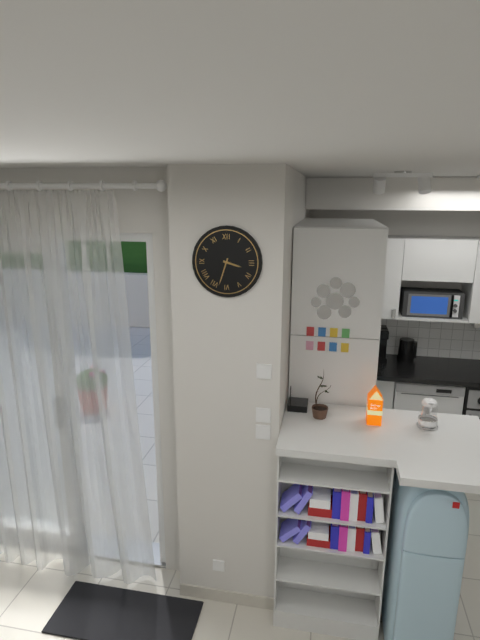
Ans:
3,33
